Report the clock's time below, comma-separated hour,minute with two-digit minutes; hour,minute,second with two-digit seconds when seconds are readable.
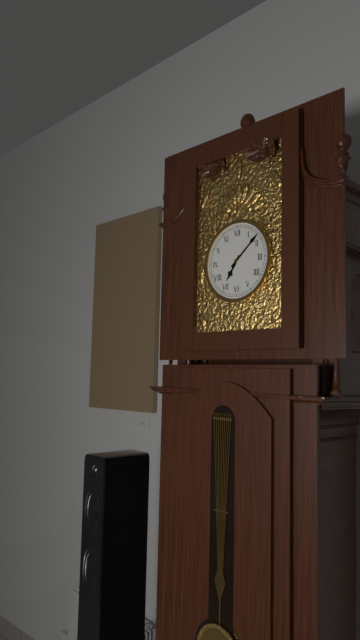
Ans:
7,08
